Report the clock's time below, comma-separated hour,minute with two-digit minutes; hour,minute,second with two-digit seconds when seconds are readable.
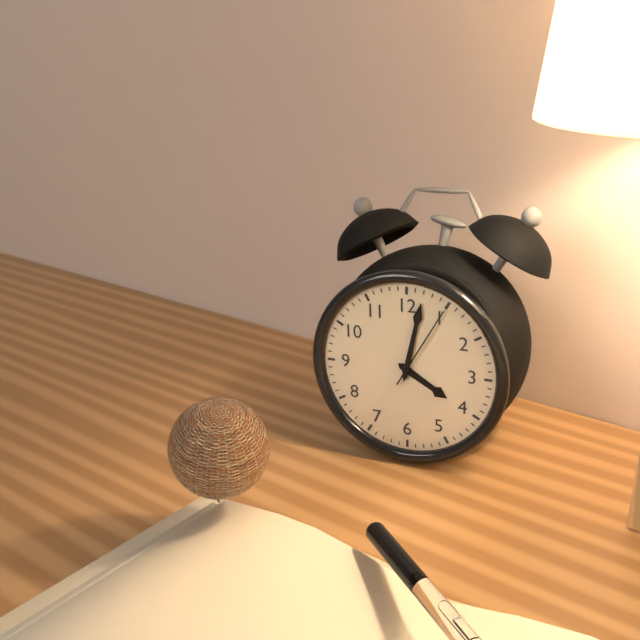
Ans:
4,02,05
